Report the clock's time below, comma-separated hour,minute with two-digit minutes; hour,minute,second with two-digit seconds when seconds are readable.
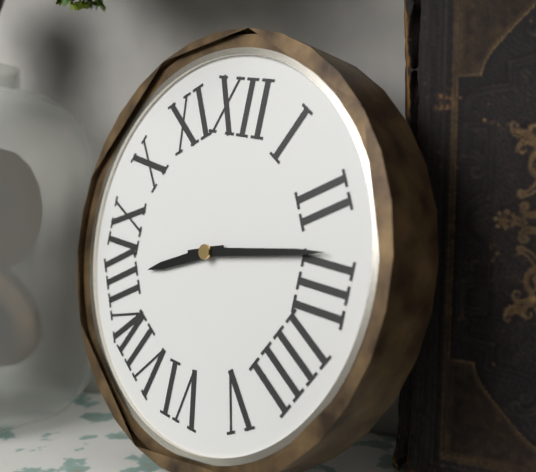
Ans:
8,13
